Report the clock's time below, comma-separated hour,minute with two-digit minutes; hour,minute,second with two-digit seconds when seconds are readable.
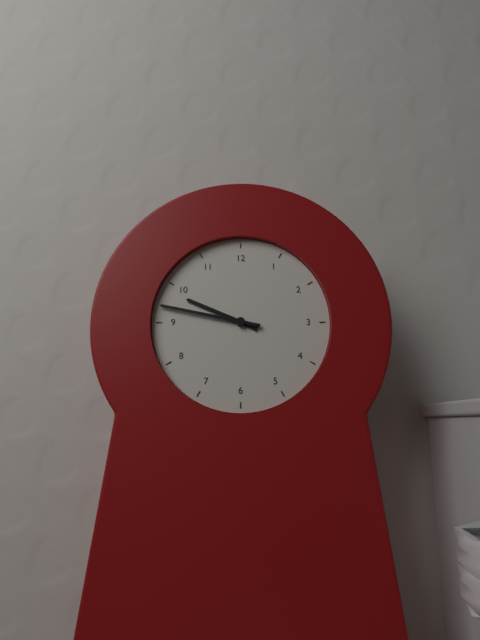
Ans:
9,47
